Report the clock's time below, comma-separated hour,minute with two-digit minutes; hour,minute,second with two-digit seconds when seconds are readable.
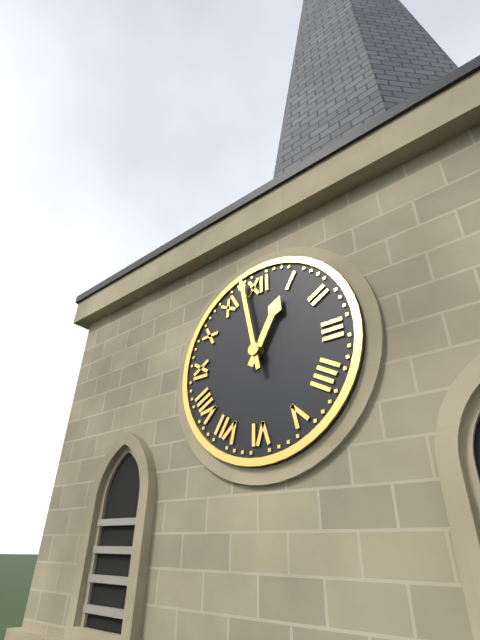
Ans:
12,58
